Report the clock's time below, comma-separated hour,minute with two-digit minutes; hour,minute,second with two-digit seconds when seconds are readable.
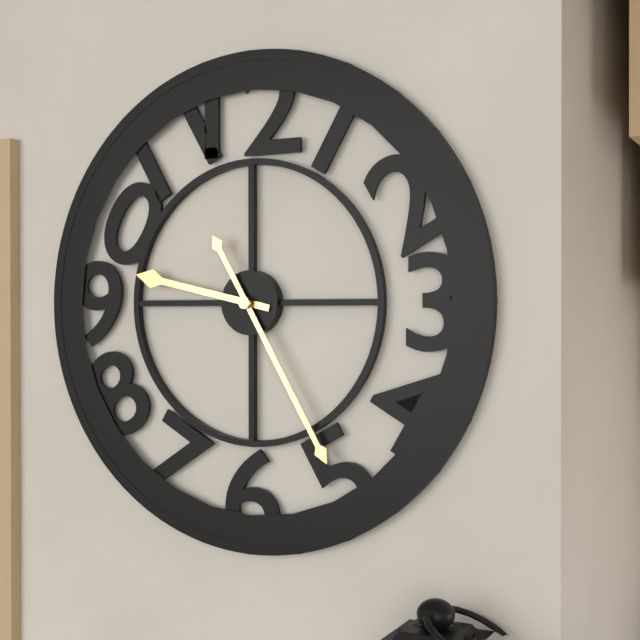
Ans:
9,25
